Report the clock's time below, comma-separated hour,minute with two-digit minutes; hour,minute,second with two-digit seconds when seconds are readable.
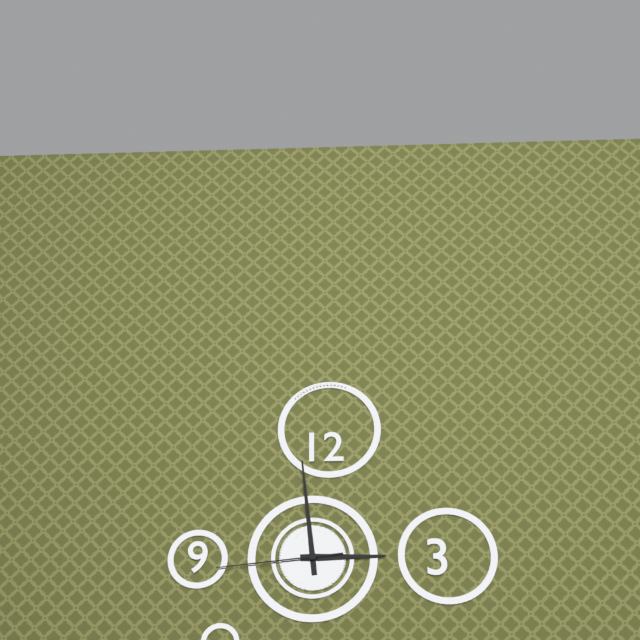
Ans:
2,59,44
